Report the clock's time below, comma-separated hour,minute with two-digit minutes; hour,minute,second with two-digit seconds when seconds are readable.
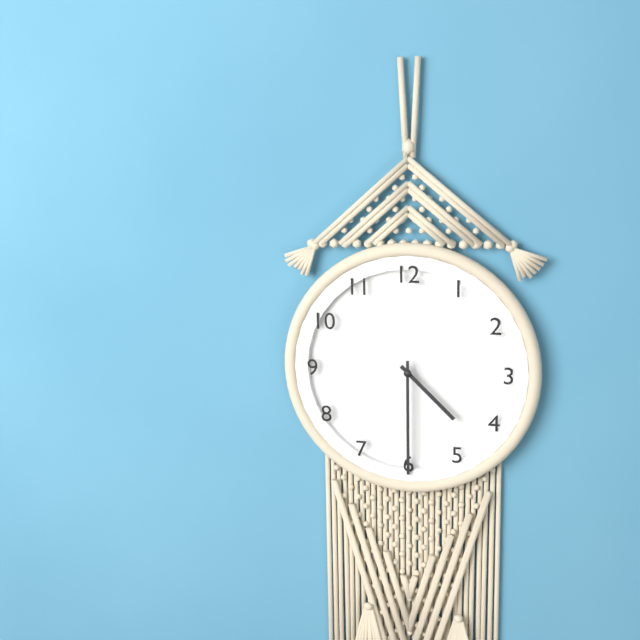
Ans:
4,30
